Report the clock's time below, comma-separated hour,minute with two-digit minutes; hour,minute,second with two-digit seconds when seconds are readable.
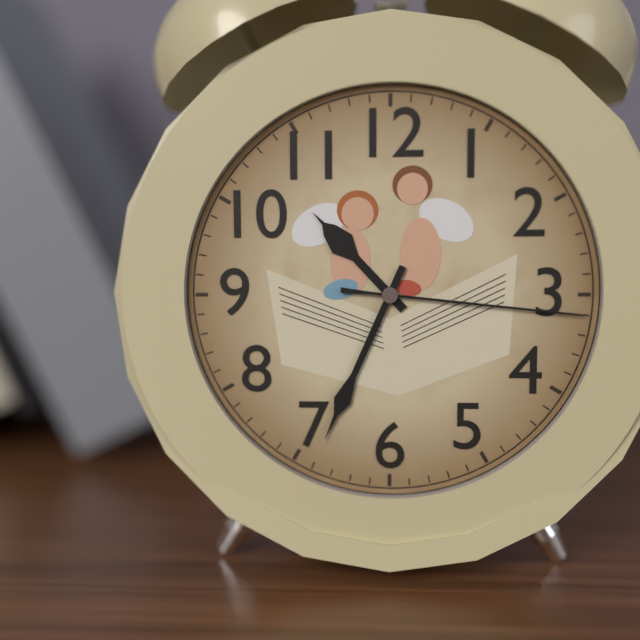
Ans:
10,34,16
